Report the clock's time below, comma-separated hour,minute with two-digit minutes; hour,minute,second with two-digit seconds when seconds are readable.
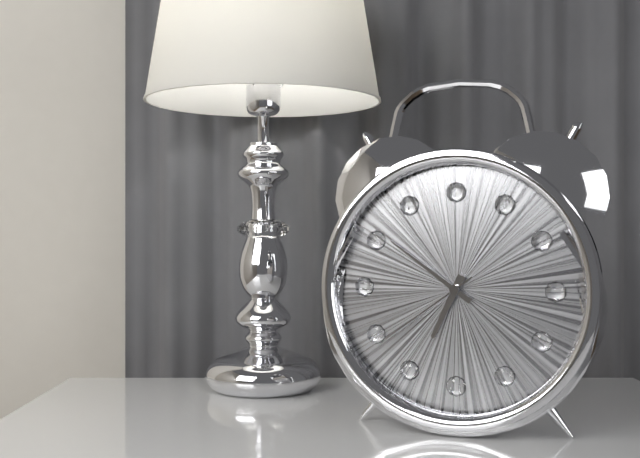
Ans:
6,51,39
